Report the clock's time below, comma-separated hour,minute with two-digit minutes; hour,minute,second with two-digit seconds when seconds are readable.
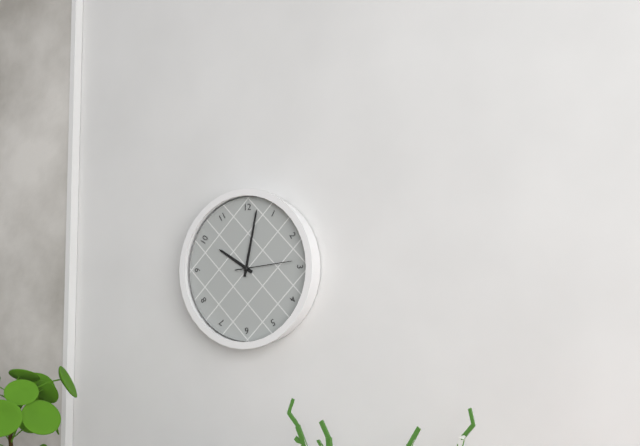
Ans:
10,02,14
